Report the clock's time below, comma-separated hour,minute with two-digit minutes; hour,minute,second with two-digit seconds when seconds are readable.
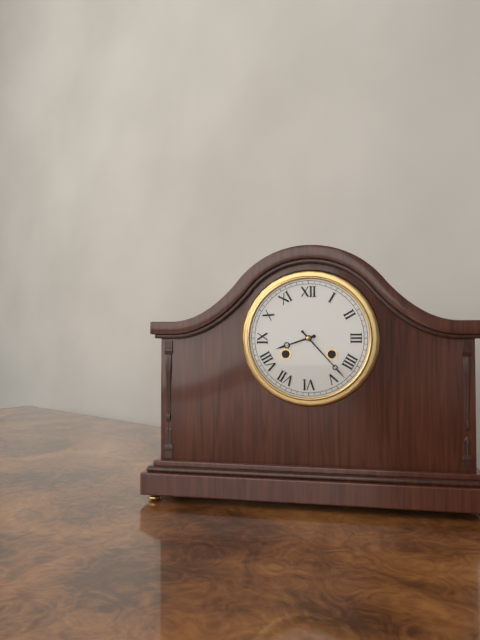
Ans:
8,23
